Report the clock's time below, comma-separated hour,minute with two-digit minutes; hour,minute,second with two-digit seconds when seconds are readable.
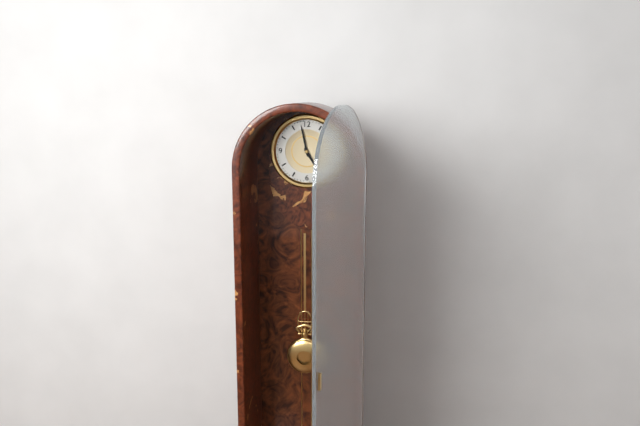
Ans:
4,58
